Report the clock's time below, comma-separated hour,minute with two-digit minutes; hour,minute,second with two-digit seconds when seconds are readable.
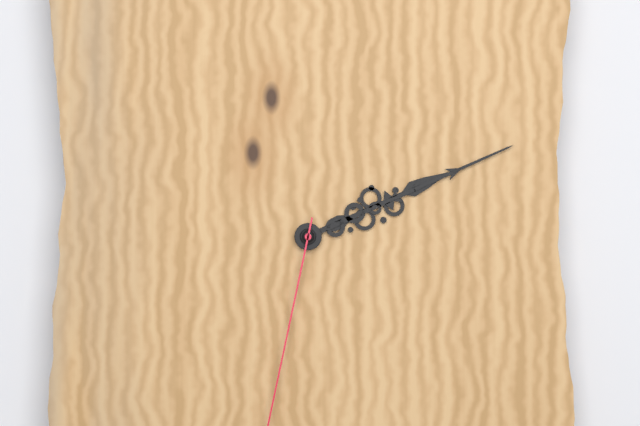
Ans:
2,11
